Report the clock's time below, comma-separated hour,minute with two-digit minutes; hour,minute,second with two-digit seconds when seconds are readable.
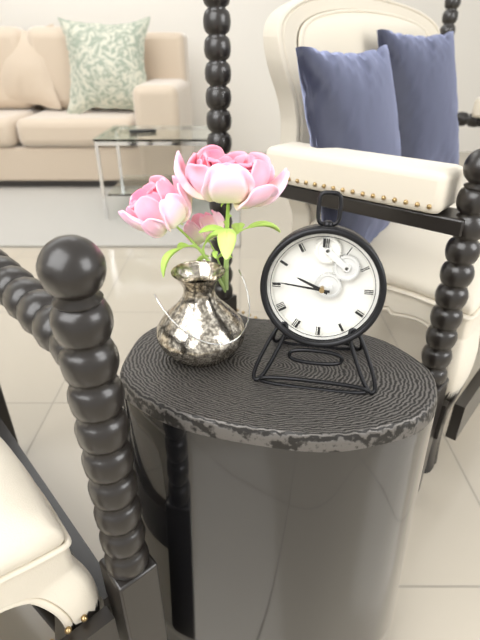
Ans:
9,46
